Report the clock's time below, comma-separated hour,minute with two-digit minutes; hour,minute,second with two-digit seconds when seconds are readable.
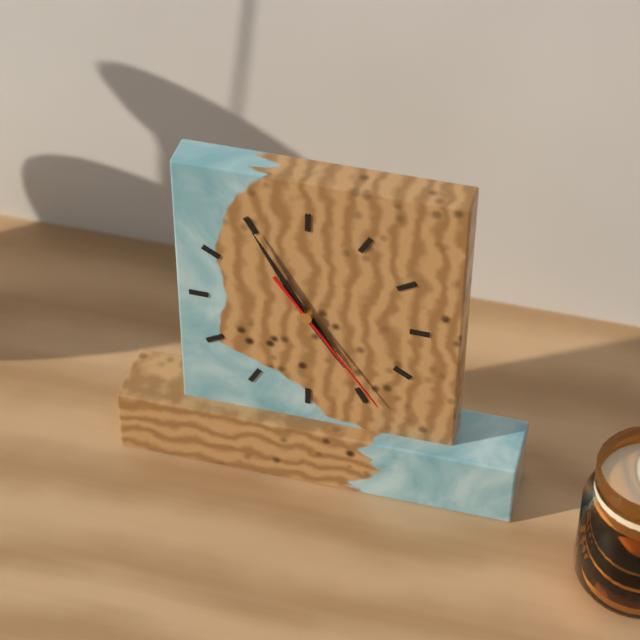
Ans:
4,55,24
